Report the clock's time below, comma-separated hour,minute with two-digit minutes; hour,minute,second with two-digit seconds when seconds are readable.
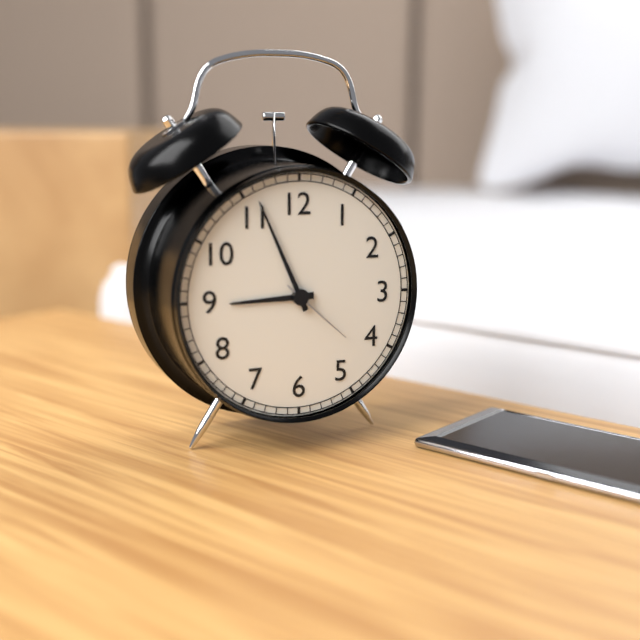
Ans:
8,56,22
